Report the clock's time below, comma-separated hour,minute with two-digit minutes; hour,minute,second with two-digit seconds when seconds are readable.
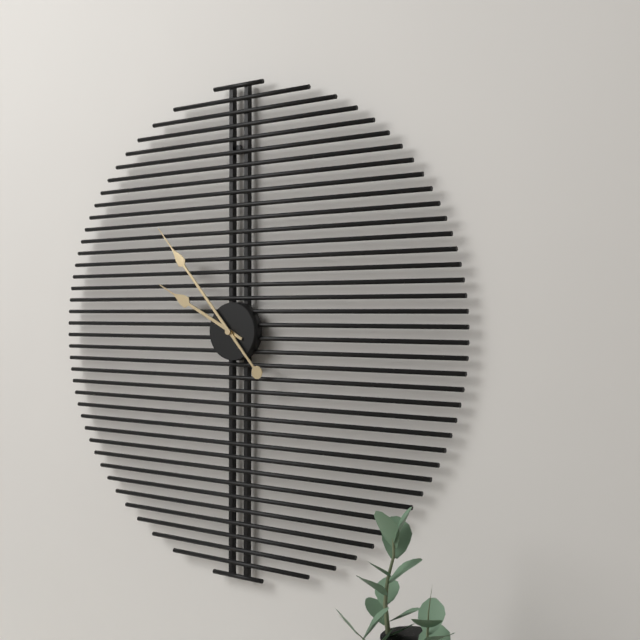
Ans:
9,53
